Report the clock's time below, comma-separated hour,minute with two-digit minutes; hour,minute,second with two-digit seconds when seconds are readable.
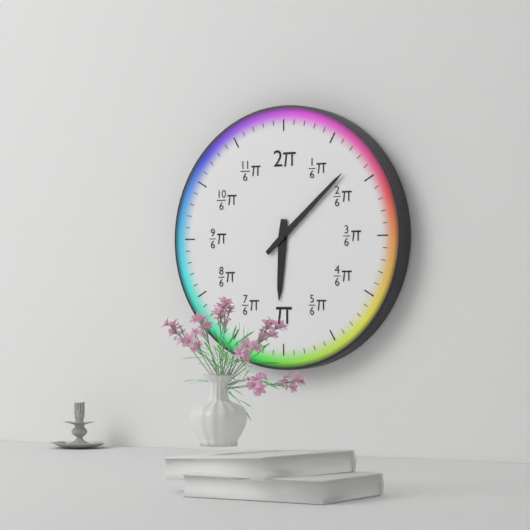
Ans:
6,08
